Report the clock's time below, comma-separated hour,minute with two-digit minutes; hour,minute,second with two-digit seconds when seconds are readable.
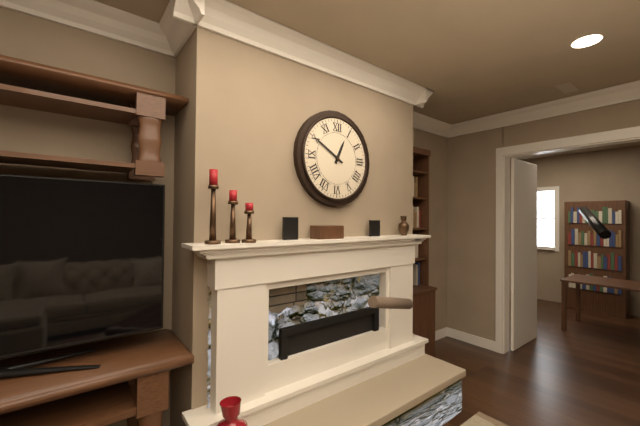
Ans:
12,50
